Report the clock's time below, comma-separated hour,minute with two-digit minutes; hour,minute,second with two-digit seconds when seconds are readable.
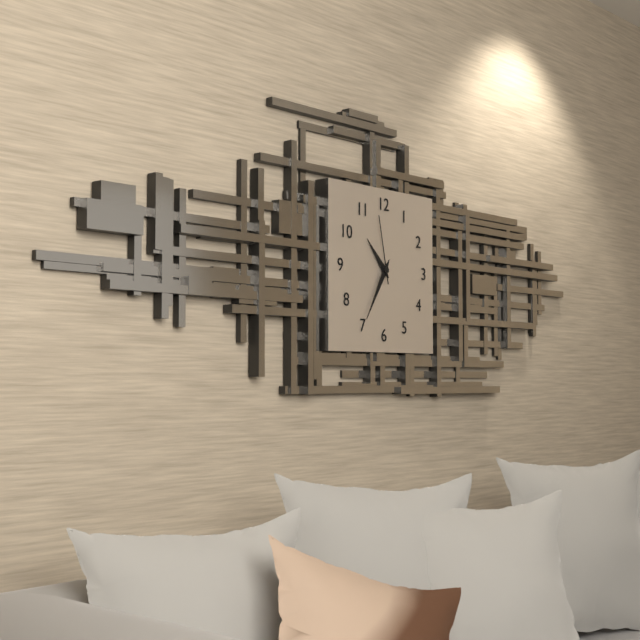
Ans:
10,35,58
